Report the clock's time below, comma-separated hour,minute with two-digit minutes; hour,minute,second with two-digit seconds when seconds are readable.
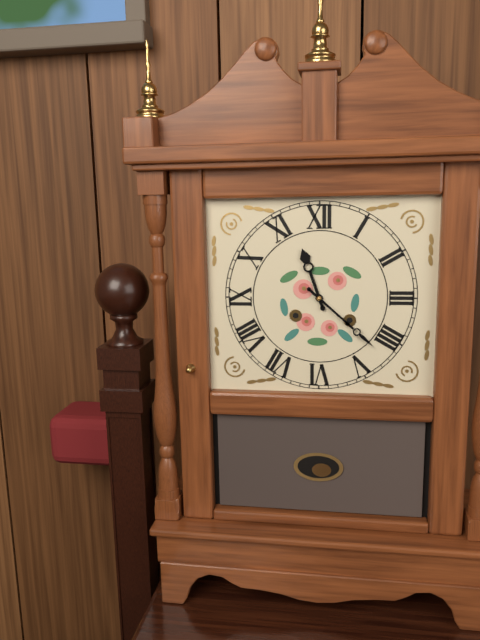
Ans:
11,22
